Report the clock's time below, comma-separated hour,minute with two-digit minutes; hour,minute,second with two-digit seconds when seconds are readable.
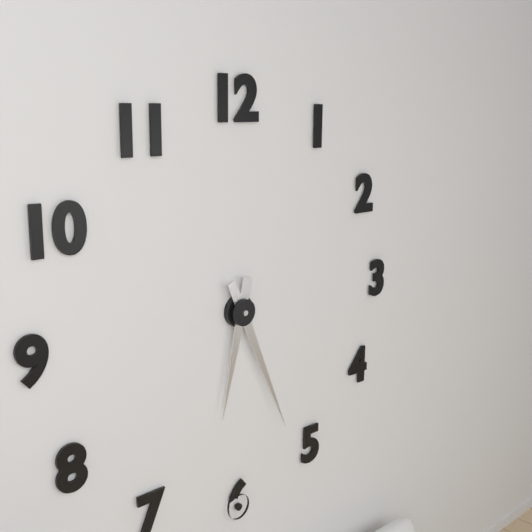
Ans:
6,26
